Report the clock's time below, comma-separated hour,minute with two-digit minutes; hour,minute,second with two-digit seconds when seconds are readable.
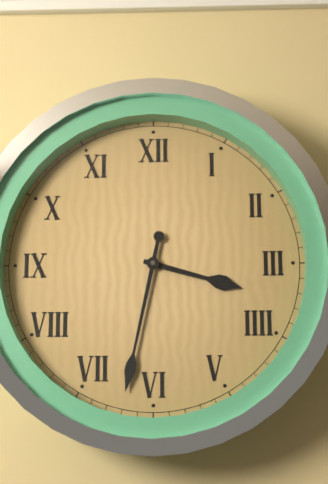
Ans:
3,32
